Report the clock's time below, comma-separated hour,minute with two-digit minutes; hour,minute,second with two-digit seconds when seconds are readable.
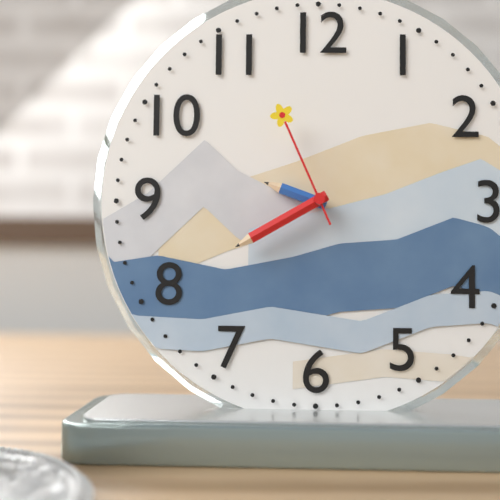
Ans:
9,40,56
